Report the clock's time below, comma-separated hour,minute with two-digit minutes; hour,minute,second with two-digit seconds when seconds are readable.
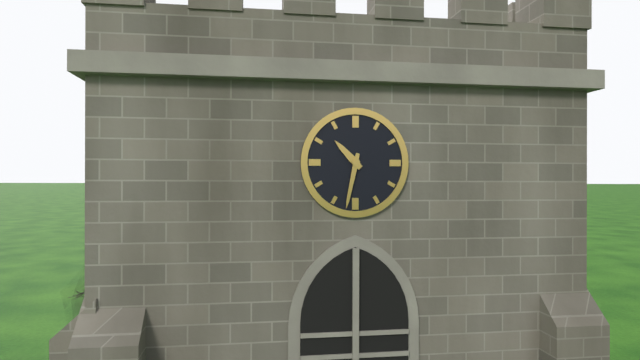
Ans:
10,32
